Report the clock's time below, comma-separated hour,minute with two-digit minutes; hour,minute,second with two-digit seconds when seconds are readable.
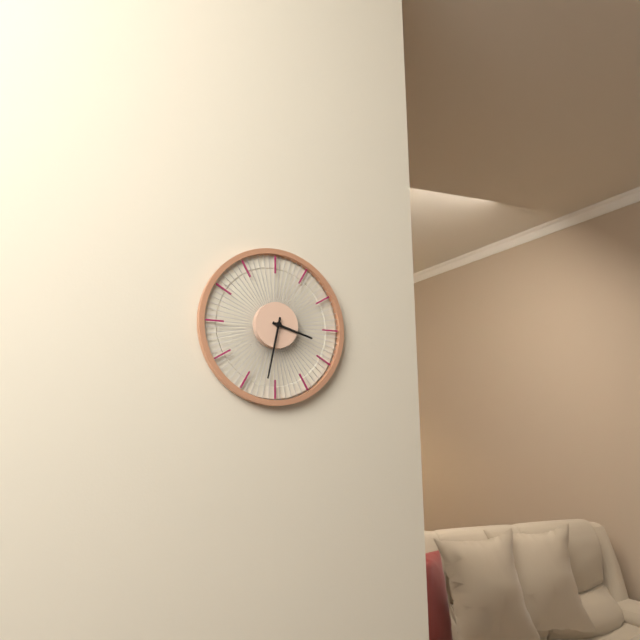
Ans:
3,32
